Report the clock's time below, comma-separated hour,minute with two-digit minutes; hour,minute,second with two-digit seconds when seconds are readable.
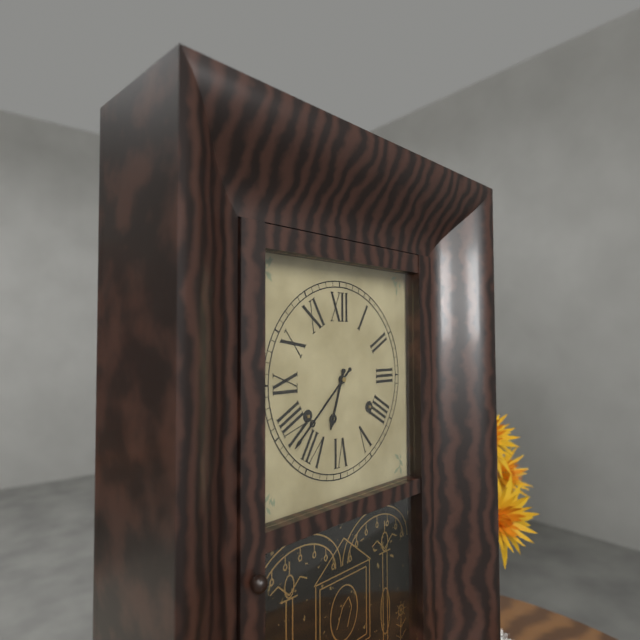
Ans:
6,38
